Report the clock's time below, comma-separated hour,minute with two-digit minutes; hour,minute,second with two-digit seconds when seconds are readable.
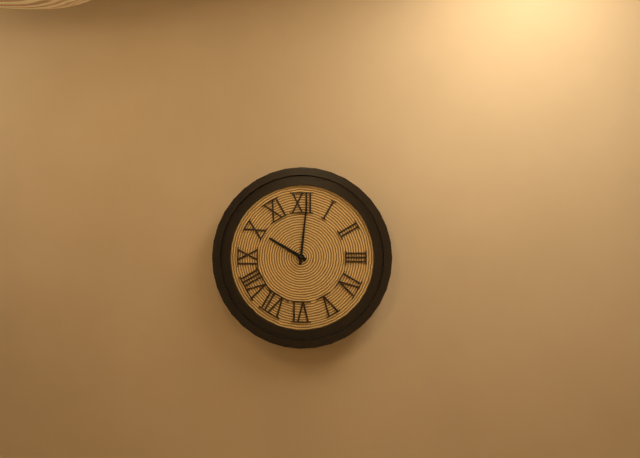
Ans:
10,01
